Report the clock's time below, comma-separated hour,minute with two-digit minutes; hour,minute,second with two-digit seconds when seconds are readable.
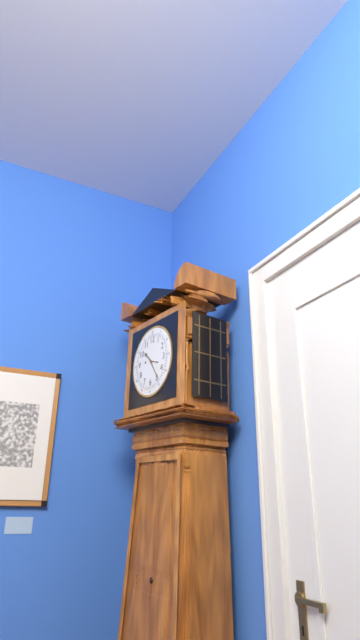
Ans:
10,24
